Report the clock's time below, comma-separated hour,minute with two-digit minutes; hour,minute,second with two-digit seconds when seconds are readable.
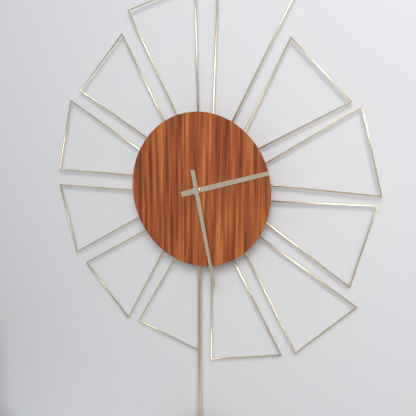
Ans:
2,28
